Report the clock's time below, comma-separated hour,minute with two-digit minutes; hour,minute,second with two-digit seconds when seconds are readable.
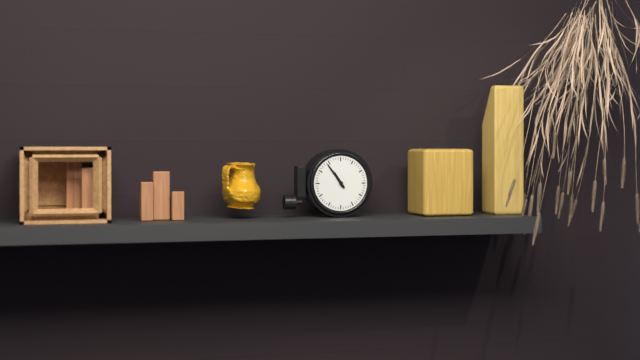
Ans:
10,54
